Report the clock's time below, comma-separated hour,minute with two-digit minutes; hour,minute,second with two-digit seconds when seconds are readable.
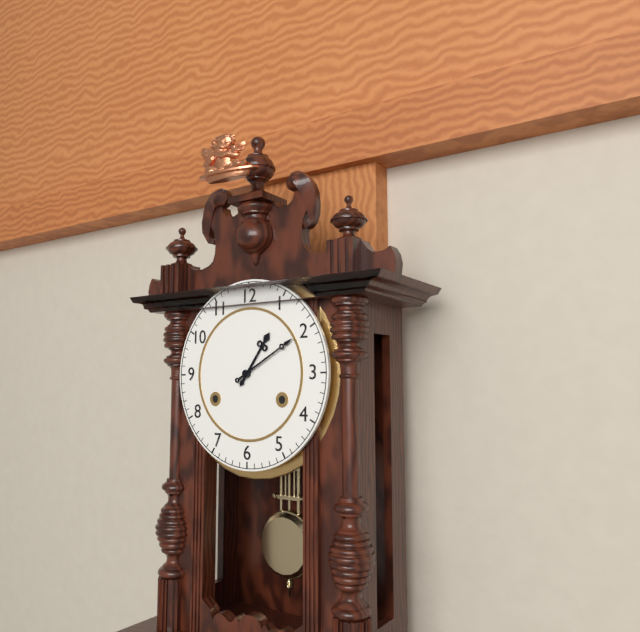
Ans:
1,10
